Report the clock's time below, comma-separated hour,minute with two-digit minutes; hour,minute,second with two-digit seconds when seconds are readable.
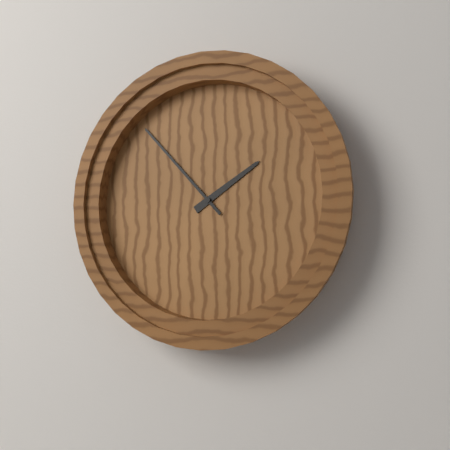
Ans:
1,53
